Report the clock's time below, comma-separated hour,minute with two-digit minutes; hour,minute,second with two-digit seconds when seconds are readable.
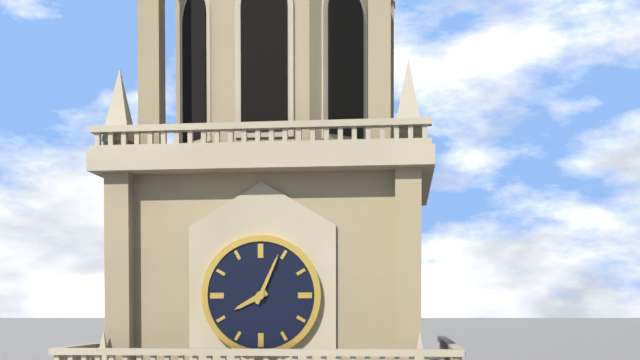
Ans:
8,04
